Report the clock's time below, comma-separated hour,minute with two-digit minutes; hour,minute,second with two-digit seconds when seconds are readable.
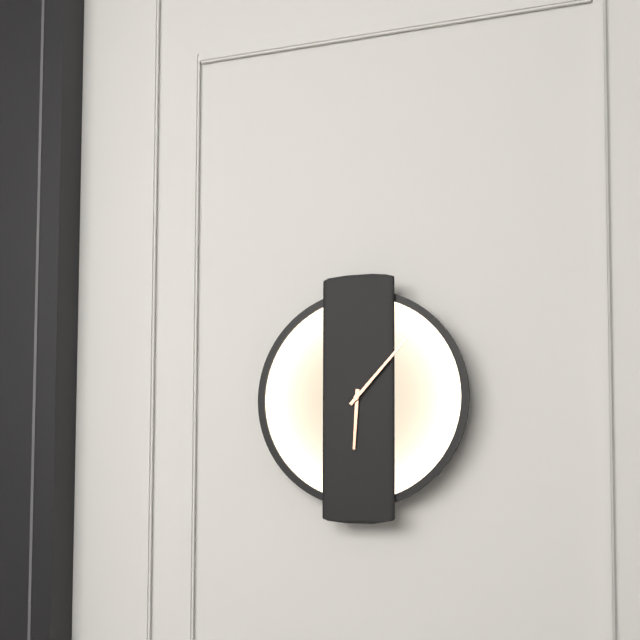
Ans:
6,07
